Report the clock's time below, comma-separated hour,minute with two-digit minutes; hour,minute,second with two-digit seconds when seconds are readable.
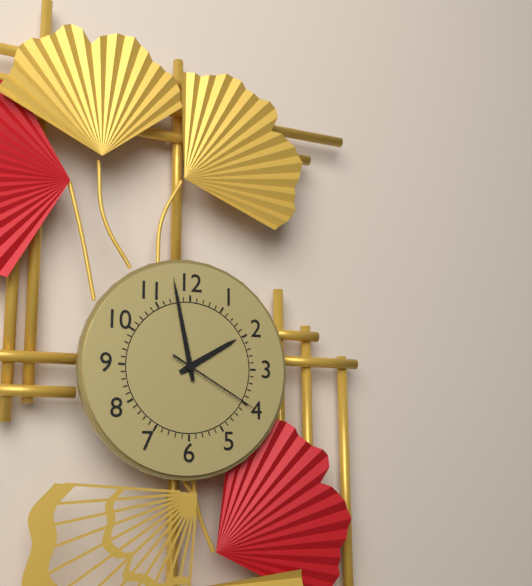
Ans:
1,58,20
